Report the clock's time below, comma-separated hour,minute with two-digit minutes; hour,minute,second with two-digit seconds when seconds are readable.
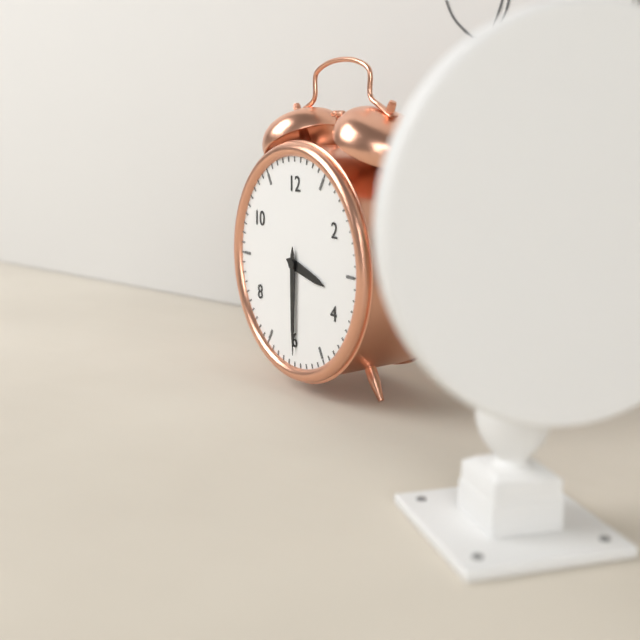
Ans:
3,30
